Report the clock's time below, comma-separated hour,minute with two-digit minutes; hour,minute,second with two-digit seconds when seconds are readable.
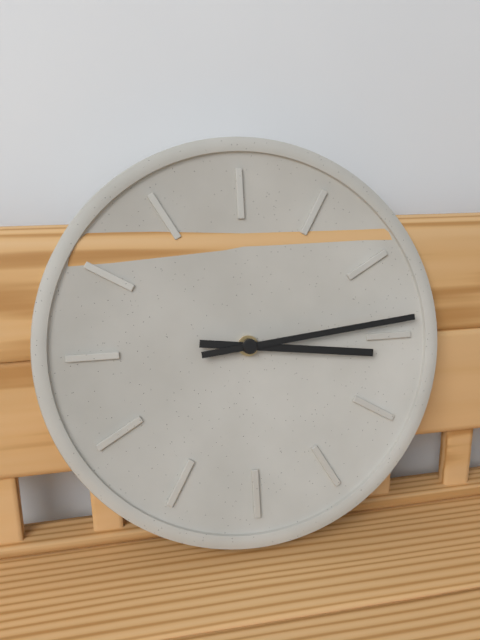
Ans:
3,14
